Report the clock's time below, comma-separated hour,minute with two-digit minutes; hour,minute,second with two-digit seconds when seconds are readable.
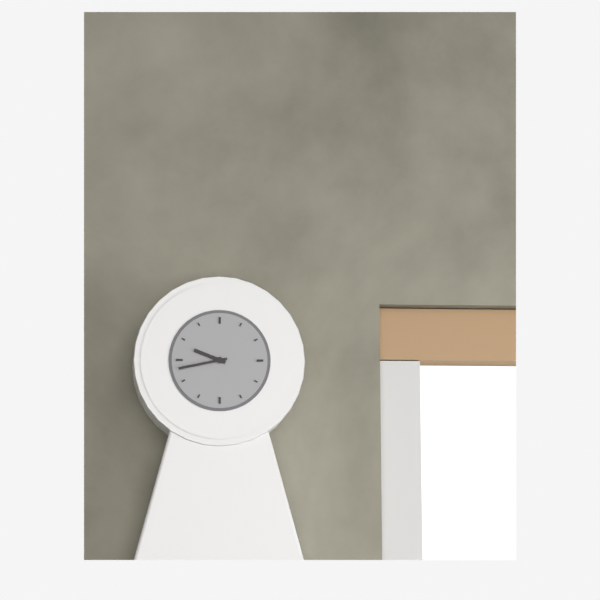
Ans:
9,43
